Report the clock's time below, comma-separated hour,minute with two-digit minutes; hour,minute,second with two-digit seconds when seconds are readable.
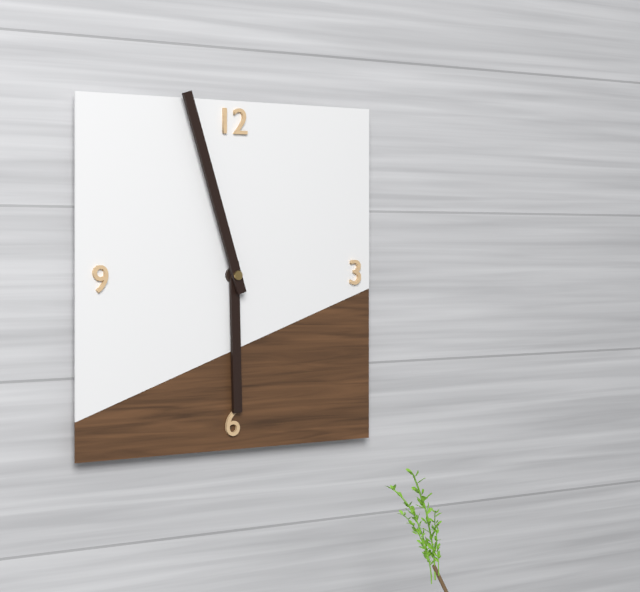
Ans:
5,57
